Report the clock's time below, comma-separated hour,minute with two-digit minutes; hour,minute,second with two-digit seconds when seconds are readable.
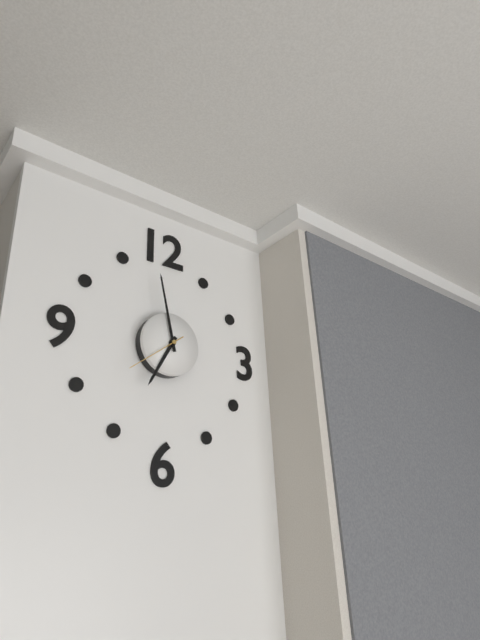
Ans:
6,58,39
